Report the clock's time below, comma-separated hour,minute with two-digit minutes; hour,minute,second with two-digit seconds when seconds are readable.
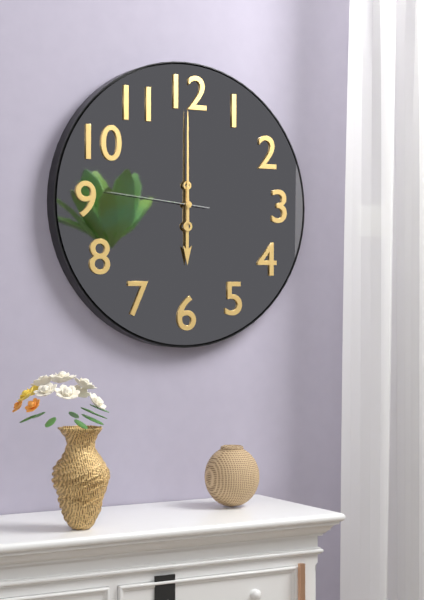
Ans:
6,00,46
